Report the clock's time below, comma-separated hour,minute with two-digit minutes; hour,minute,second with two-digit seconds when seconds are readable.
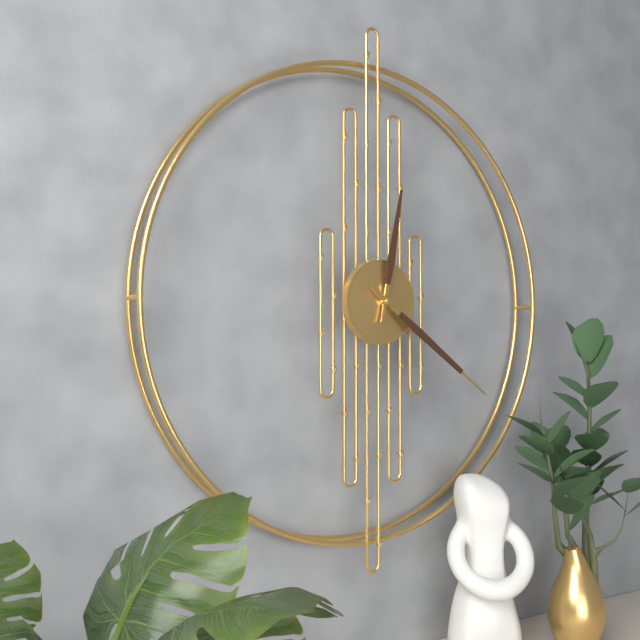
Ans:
12,21
